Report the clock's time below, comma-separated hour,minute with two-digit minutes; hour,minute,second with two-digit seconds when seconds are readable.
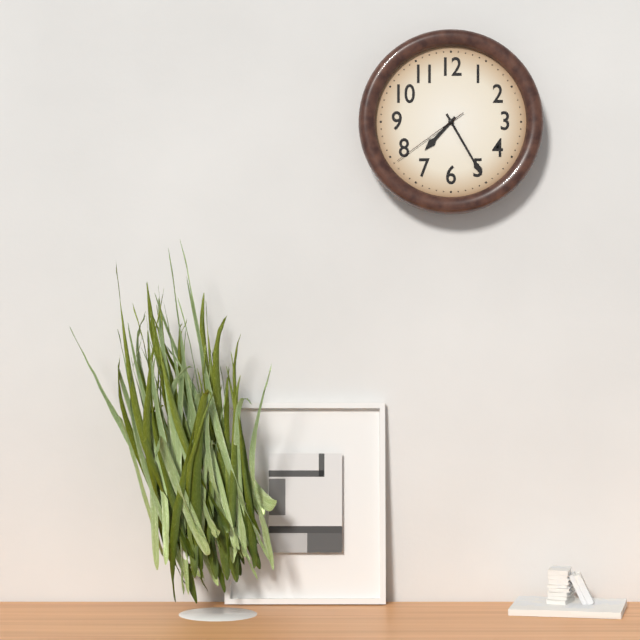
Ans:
7,25,39
